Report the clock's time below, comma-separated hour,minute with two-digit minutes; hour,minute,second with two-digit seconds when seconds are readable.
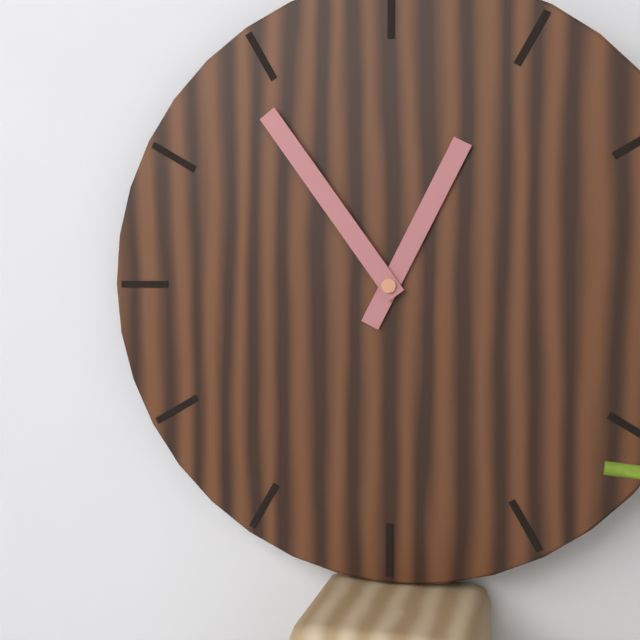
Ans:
12,54
